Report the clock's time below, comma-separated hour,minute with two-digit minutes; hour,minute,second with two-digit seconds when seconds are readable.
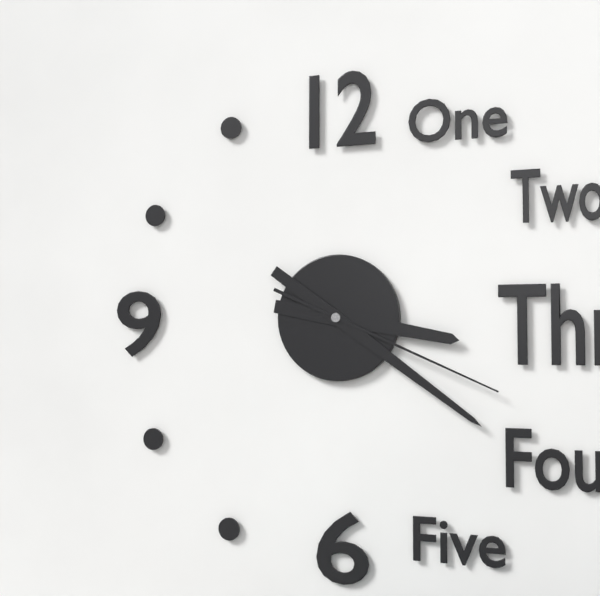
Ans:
3,21,19
